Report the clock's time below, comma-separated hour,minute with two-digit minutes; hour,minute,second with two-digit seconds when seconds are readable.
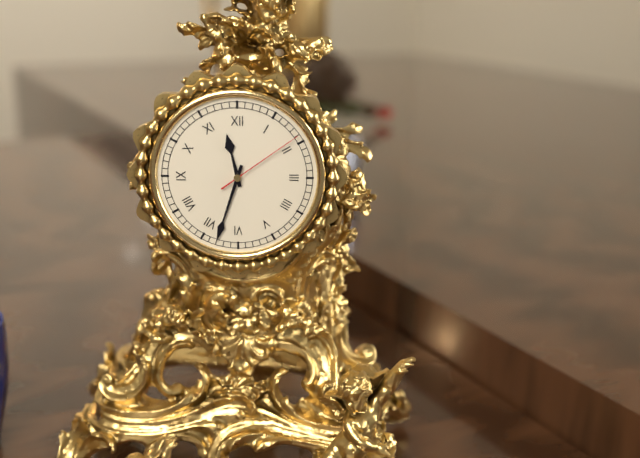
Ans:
11,33,09
